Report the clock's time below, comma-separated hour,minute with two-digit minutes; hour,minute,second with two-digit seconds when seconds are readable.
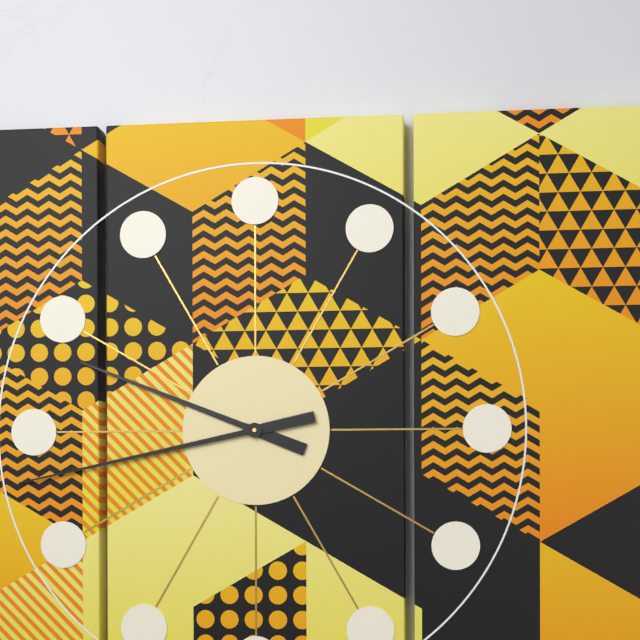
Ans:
9,43
